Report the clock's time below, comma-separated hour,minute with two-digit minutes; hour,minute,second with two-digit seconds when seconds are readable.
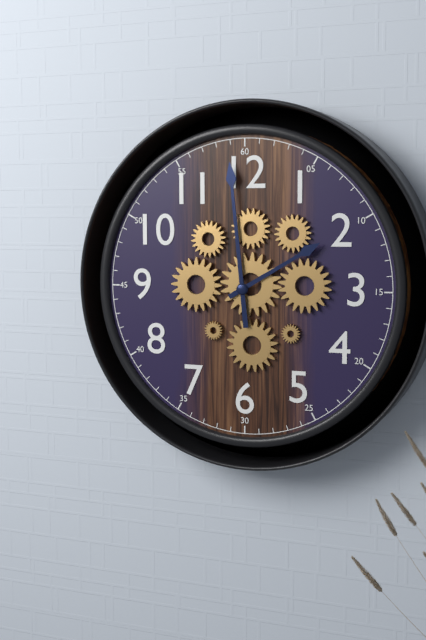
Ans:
1,59
